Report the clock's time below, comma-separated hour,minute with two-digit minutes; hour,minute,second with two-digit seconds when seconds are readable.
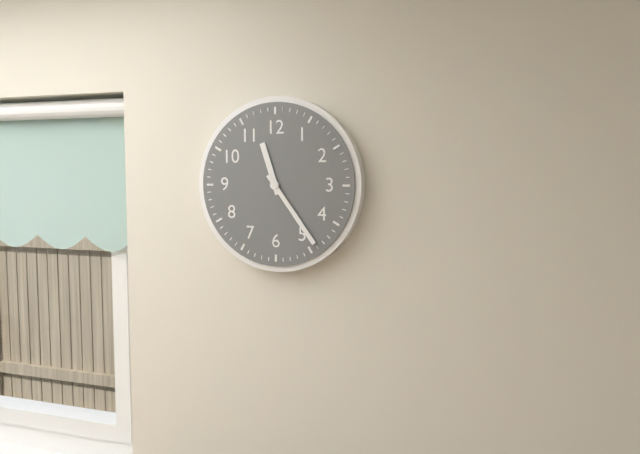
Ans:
11,24
